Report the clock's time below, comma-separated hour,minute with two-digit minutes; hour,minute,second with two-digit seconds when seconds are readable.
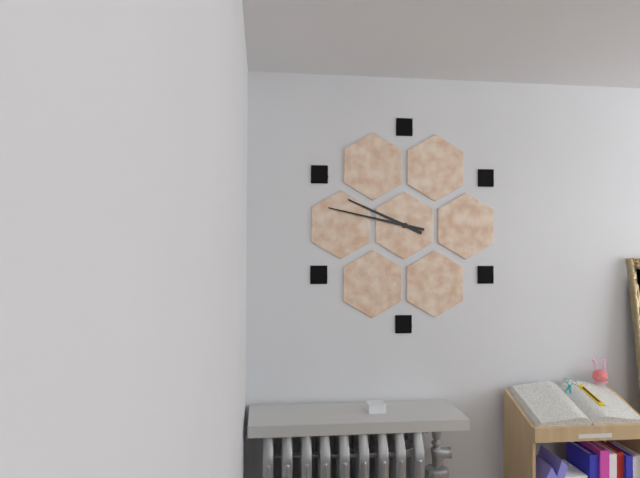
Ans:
9,47
